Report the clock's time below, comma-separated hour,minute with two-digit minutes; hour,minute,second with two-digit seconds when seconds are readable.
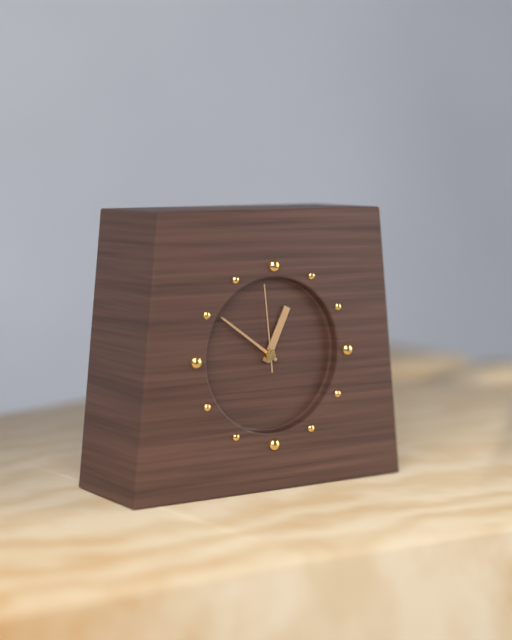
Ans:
12,51,59
